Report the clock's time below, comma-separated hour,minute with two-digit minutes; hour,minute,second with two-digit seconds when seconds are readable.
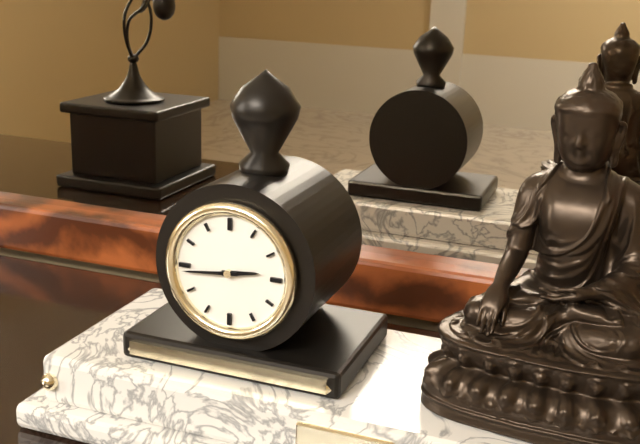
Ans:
2,44
